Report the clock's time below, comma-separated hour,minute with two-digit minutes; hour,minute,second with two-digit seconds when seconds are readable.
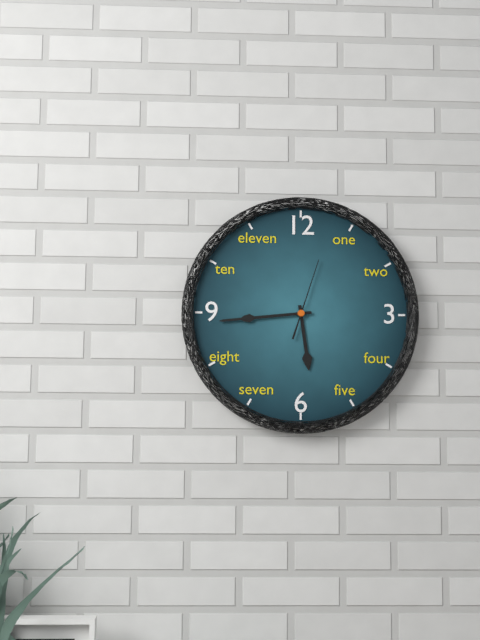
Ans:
5,44,03
